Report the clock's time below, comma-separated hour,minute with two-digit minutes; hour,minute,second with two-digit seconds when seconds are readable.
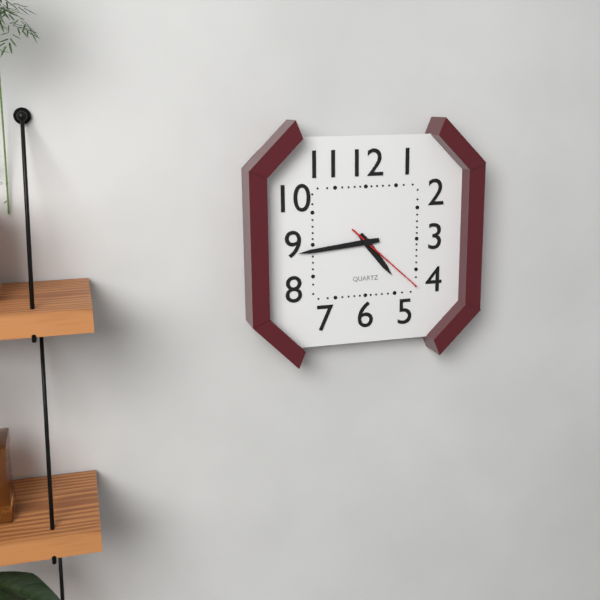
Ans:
4,44,22
